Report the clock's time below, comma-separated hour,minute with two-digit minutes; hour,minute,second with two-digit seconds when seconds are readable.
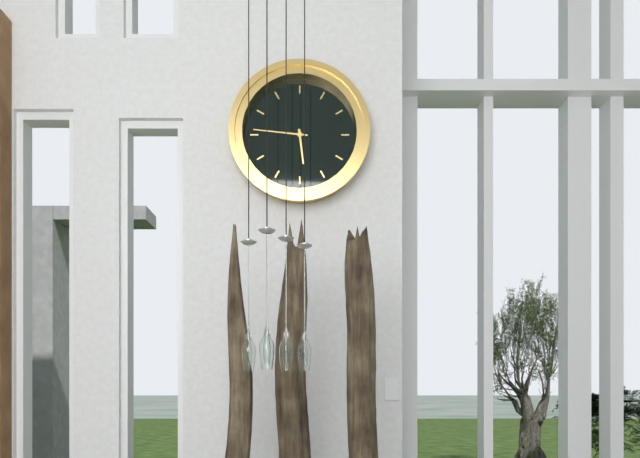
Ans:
5,46
